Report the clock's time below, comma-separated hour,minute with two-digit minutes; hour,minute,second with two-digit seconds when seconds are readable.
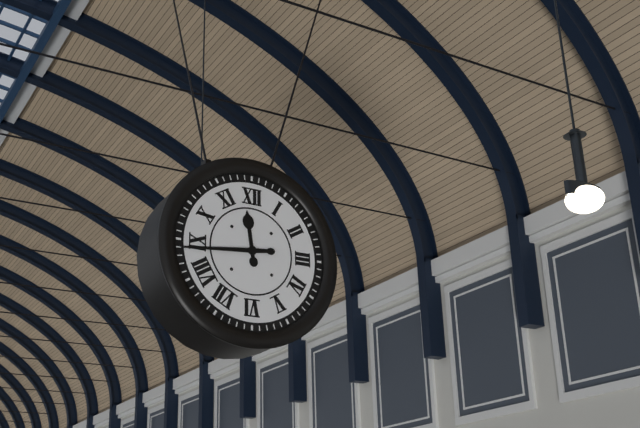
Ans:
11,44
